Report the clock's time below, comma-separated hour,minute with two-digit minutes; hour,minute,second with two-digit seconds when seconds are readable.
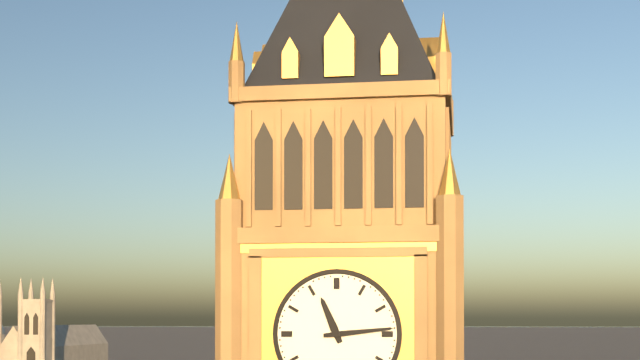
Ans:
11,14
